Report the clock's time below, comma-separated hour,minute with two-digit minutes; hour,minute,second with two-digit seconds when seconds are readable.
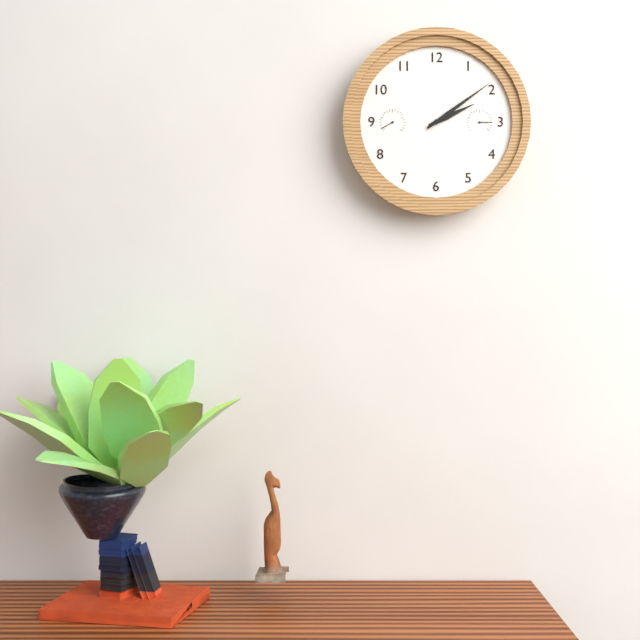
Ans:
2,09
